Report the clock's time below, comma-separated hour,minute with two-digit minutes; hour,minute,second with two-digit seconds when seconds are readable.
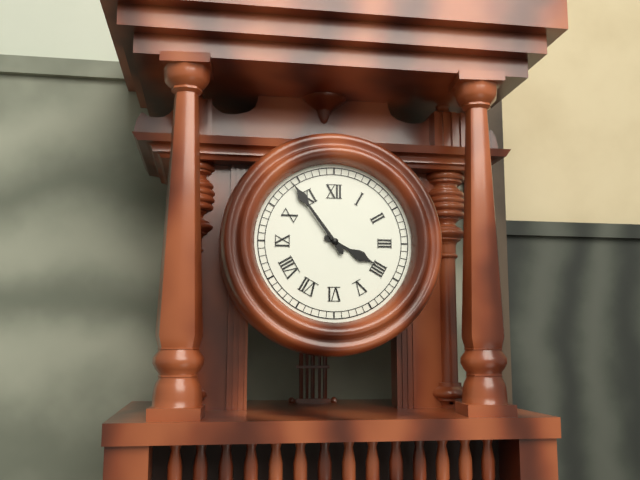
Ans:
3,54
